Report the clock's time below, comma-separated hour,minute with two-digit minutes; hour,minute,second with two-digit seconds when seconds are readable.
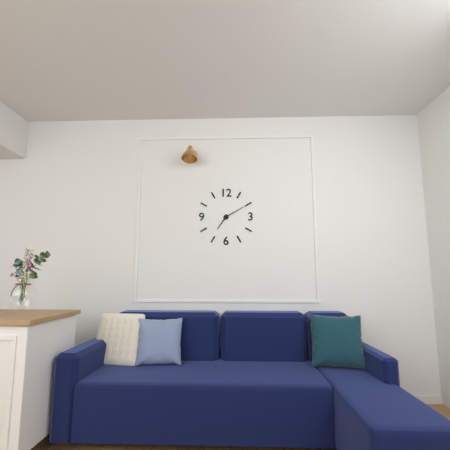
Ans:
7,10
